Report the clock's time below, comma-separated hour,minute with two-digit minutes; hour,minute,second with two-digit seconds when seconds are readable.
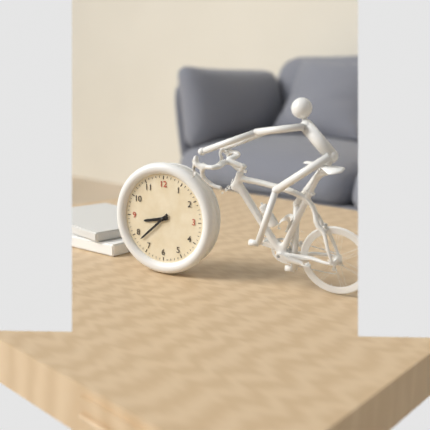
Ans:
8,38
